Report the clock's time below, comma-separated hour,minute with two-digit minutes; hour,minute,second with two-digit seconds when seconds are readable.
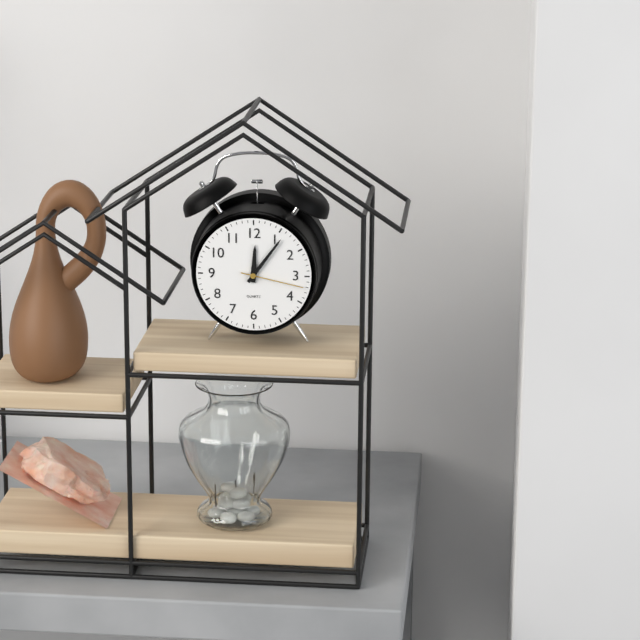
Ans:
12,06,17
